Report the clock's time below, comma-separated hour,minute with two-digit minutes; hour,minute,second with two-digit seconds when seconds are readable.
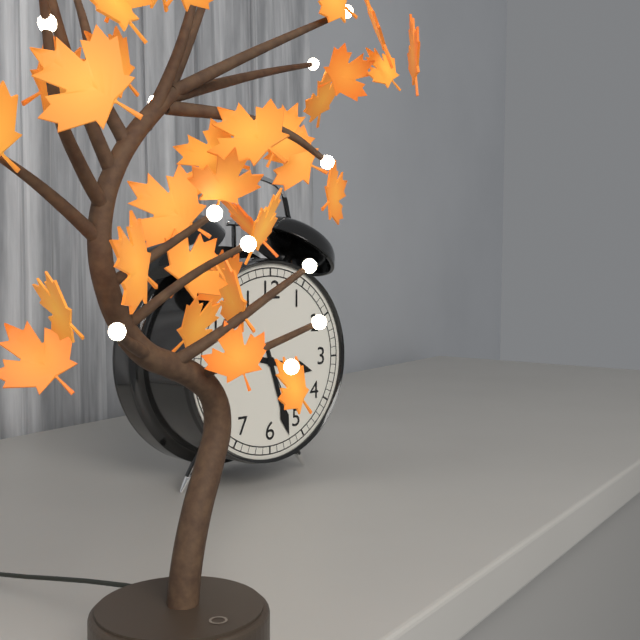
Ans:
3,27
